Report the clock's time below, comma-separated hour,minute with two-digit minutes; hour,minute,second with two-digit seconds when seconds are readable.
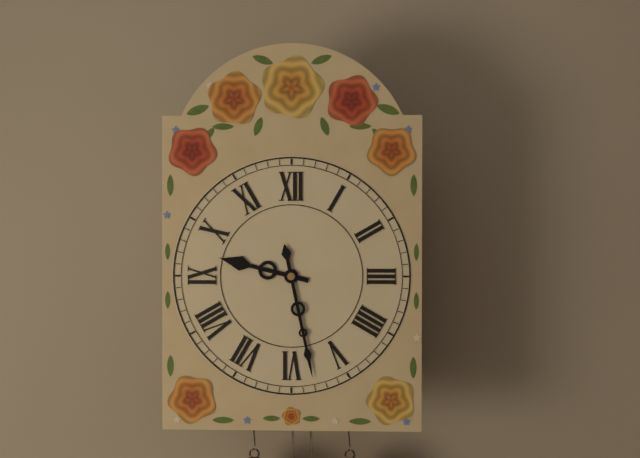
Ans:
9,28
